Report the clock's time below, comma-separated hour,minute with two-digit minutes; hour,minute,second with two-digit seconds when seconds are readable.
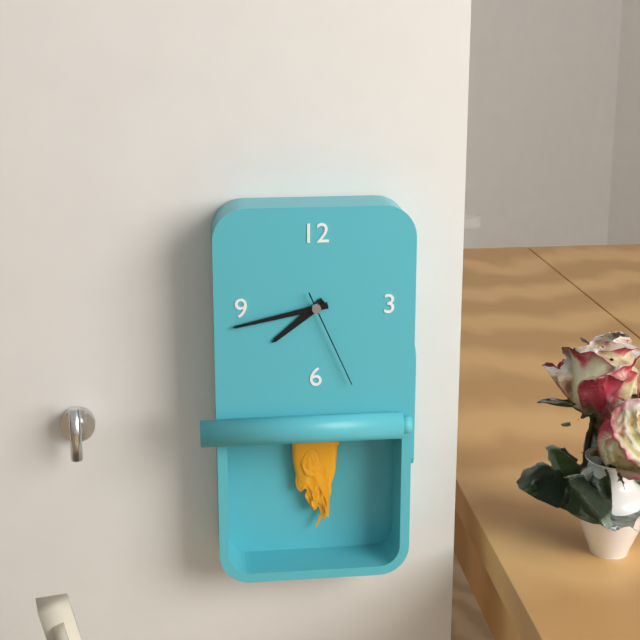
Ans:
7,43,26
